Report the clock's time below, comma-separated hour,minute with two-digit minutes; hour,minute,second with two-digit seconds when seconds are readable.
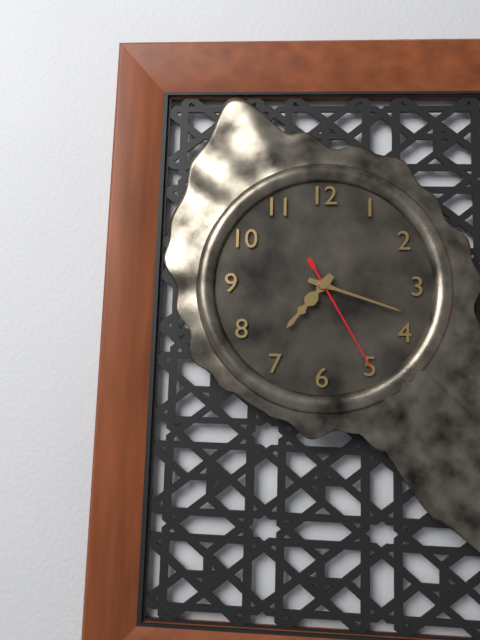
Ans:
7,18,25
